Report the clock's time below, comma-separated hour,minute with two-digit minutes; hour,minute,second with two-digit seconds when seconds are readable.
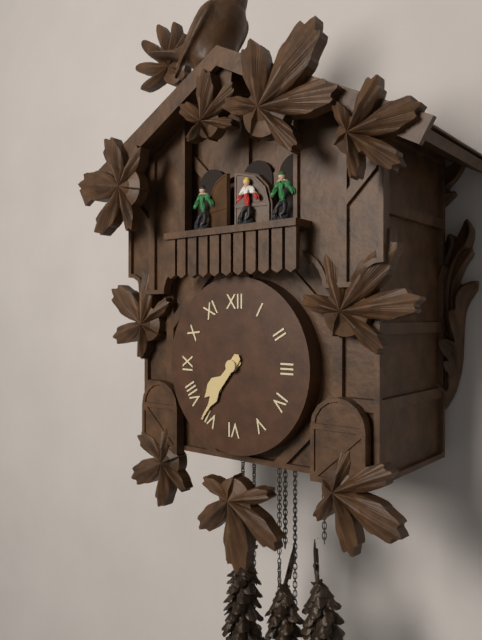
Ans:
7,36
